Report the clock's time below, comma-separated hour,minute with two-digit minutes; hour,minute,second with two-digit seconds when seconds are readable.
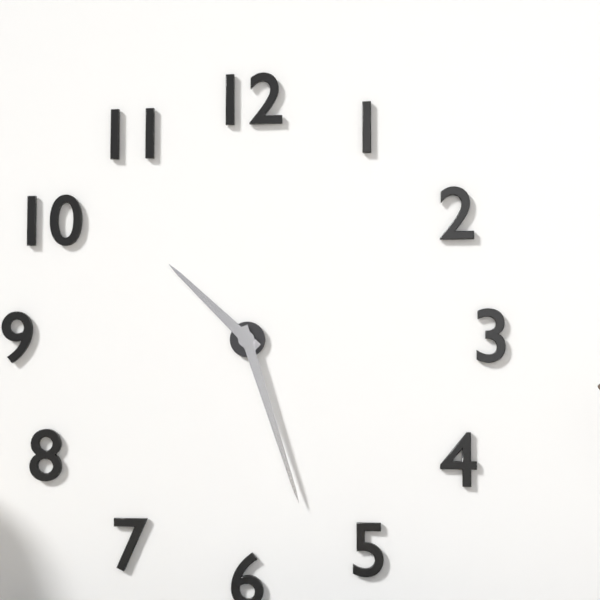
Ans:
10,27
